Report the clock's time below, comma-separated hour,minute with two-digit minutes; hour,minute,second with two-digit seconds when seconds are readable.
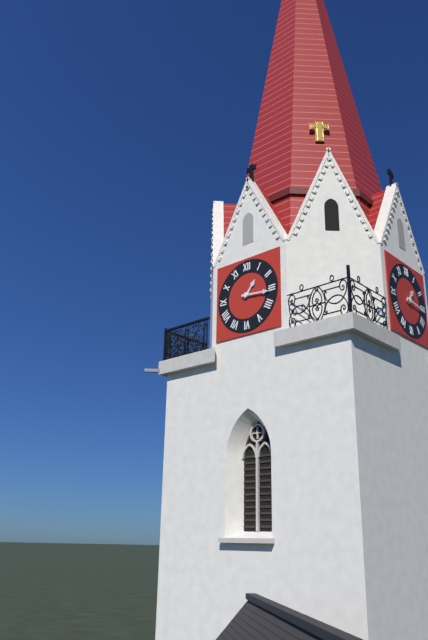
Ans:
1,16
